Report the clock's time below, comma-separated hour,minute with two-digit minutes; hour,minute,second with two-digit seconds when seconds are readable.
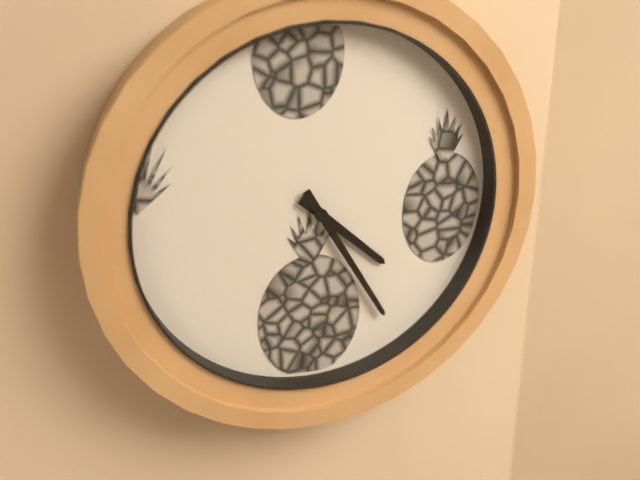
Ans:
4,25
